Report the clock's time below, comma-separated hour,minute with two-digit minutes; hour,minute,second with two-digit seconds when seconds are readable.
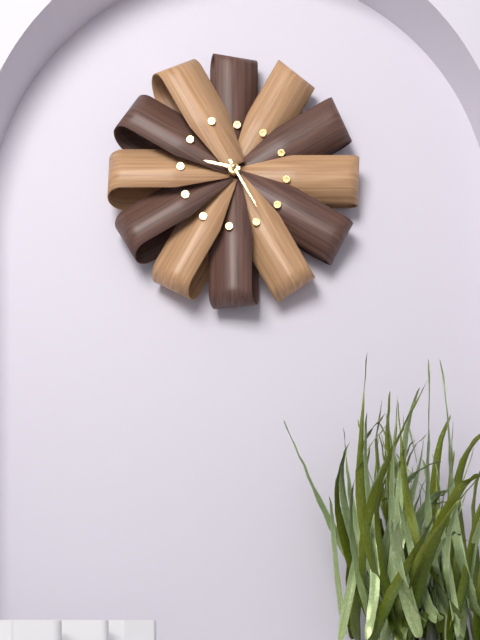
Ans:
9,25
